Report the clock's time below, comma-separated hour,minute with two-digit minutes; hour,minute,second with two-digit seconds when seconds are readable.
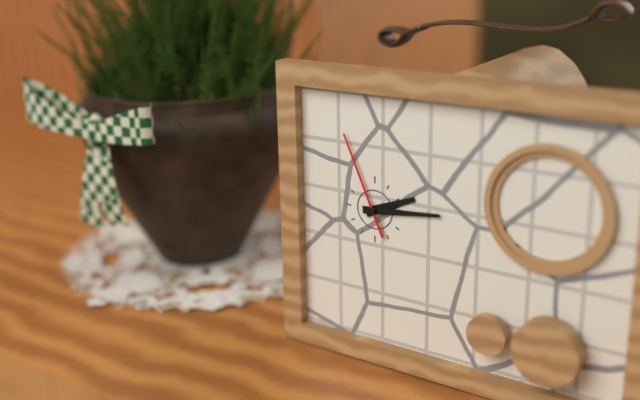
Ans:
2,14,56
